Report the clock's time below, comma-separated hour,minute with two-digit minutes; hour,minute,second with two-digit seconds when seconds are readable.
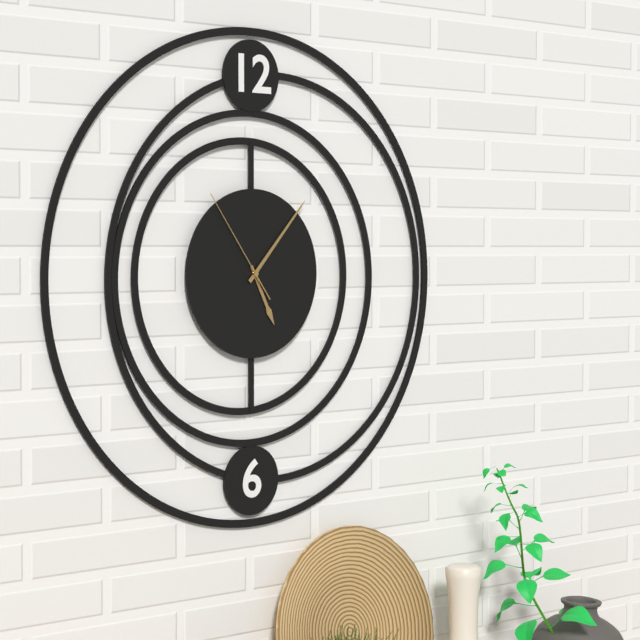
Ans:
5,07,54
